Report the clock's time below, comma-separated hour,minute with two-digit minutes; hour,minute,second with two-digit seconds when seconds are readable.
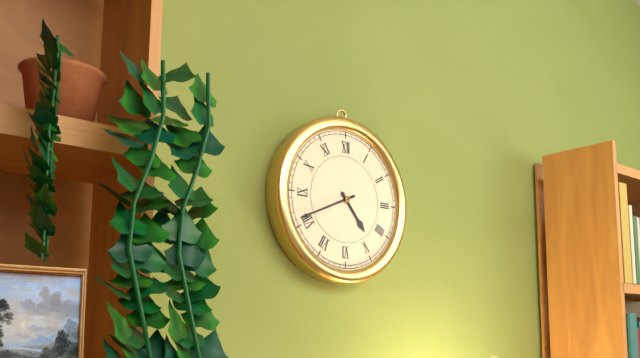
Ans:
4,41
